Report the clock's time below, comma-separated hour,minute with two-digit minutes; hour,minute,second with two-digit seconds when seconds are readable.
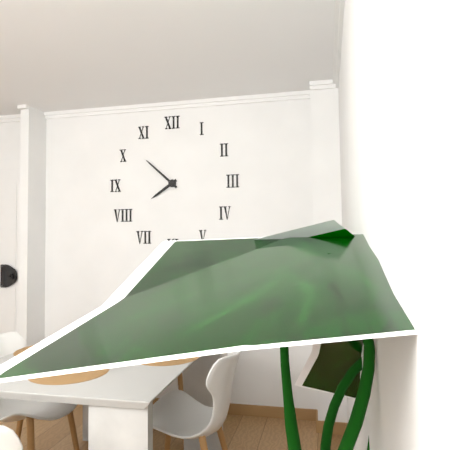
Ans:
7,52
